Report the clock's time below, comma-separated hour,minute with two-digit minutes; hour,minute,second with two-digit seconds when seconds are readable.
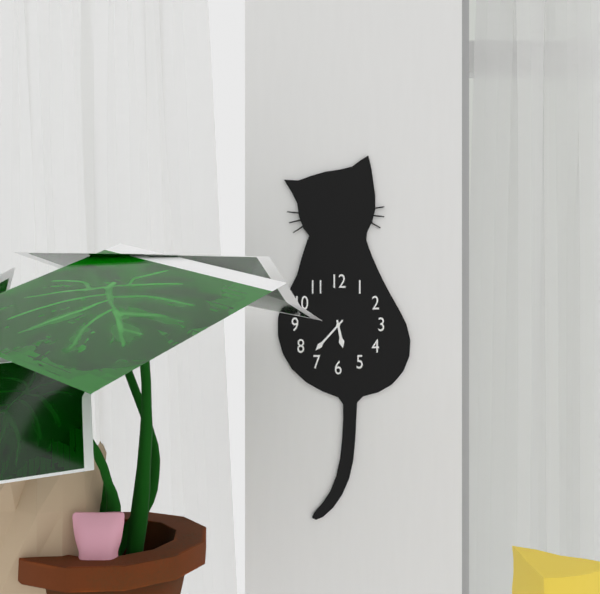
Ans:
5,37
